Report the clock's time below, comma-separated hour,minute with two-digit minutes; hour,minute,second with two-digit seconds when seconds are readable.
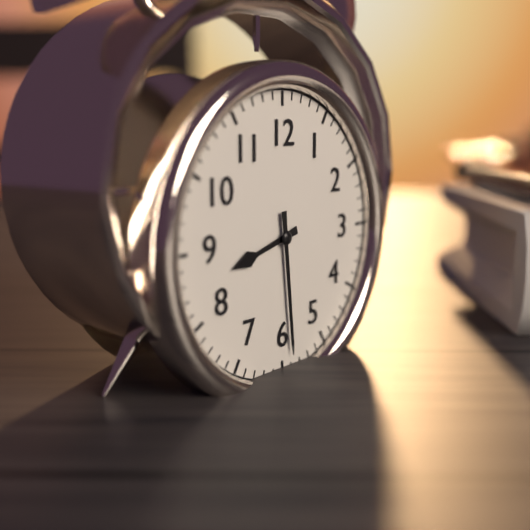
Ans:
8,29
